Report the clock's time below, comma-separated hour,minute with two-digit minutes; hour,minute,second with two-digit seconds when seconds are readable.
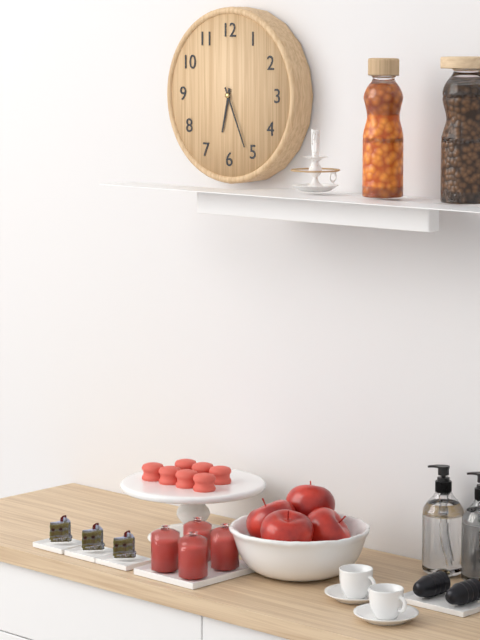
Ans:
6,26
